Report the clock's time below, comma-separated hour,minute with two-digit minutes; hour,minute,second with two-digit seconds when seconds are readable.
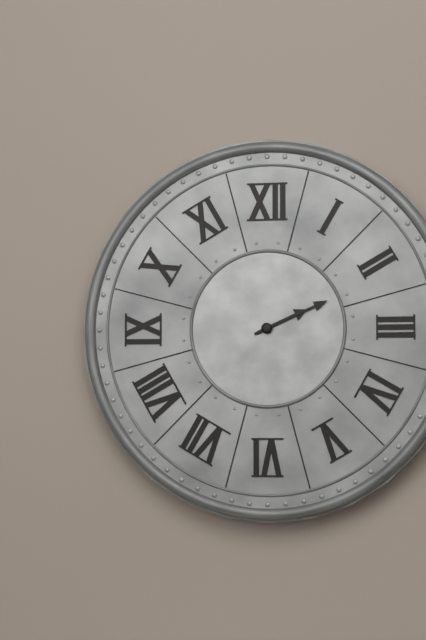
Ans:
2,11
